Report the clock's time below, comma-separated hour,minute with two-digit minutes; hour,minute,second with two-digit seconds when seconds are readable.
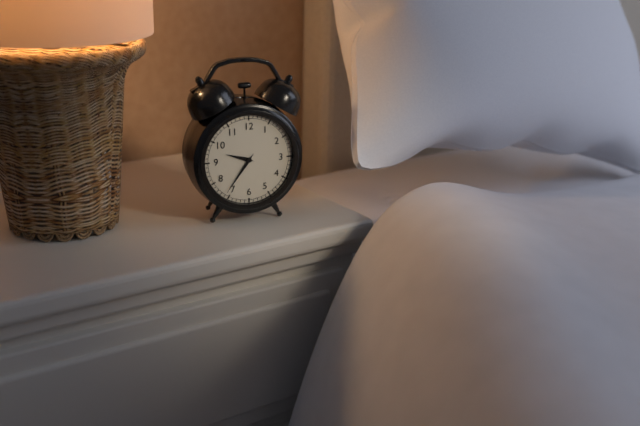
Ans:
9,36
